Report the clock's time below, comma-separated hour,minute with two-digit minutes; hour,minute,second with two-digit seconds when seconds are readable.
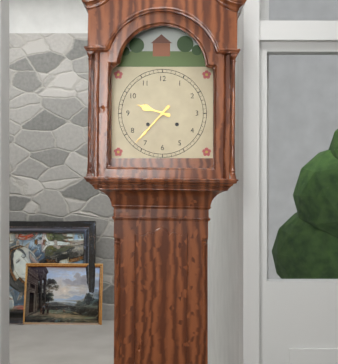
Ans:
9,37
